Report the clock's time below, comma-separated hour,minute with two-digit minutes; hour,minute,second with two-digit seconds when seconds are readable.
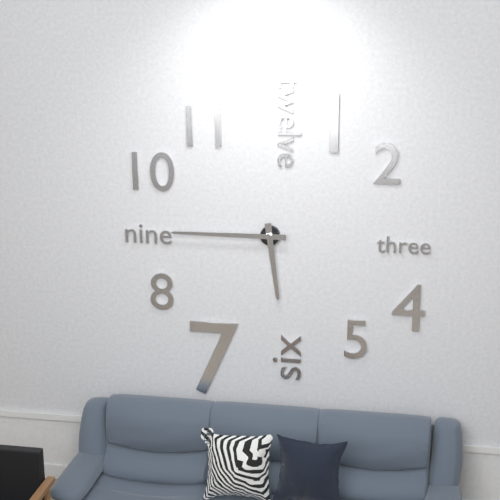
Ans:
5,45
